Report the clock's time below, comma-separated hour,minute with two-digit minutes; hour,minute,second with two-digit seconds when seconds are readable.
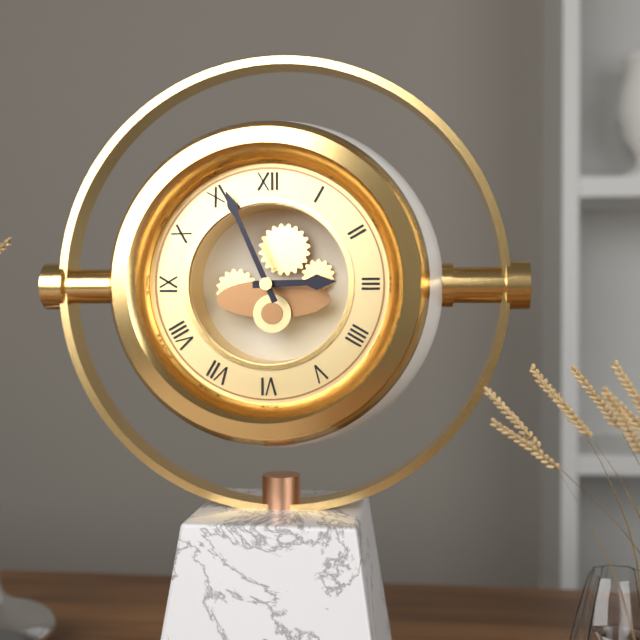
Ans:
2,56
